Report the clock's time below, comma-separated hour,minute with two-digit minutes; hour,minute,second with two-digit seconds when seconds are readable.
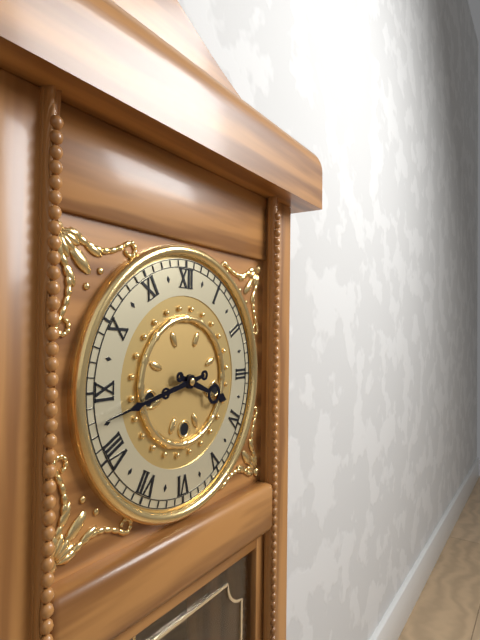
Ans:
3,43
